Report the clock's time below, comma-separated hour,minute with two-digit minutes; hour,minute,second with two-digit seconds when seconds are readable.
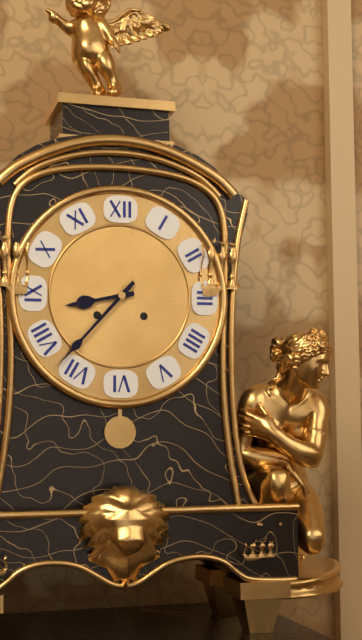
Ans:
8,37
